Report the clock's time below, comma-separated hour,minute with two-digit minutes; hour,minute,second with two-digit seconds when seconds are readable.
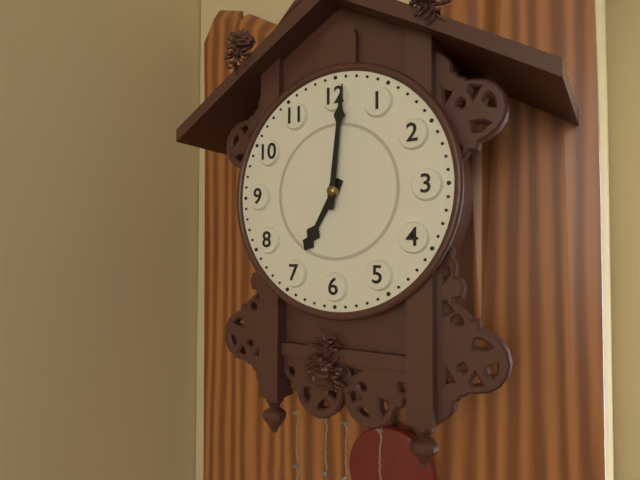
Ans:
7,01
